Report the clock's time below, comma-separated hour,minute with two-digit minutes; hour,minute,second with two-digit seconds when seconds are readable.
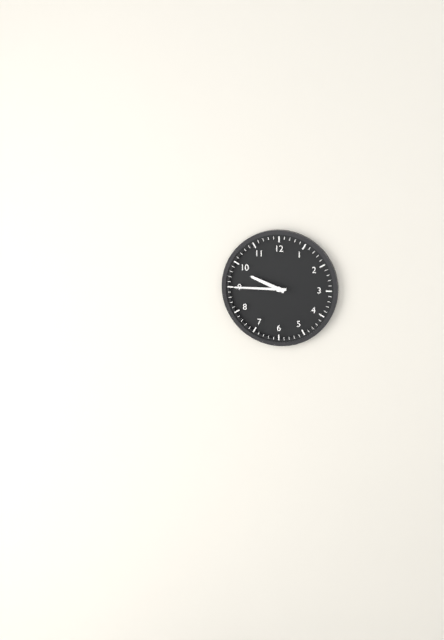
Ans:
9,45
